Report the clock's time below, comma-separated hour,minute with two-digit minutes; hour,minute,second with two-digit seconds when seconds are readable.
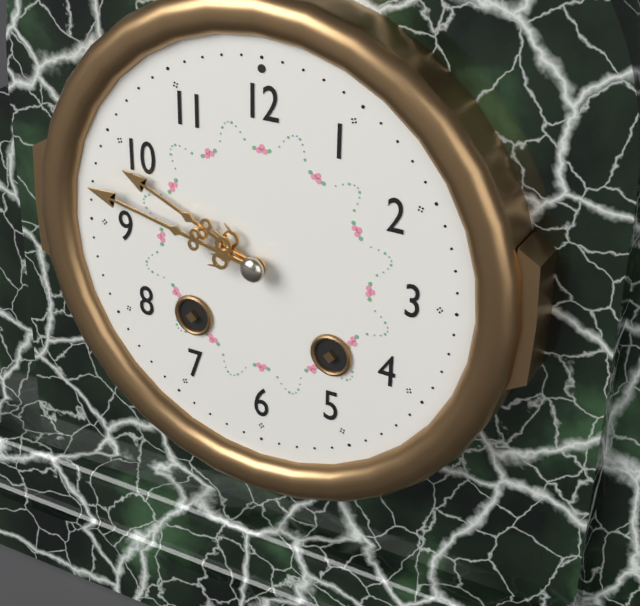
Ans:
9,47
